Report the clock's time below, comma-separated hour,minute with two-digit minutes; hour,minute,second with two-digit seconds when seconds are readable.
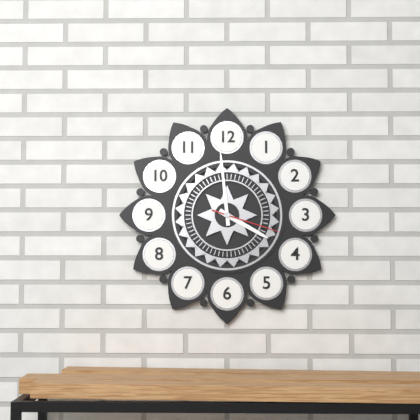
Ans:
3,59,18
